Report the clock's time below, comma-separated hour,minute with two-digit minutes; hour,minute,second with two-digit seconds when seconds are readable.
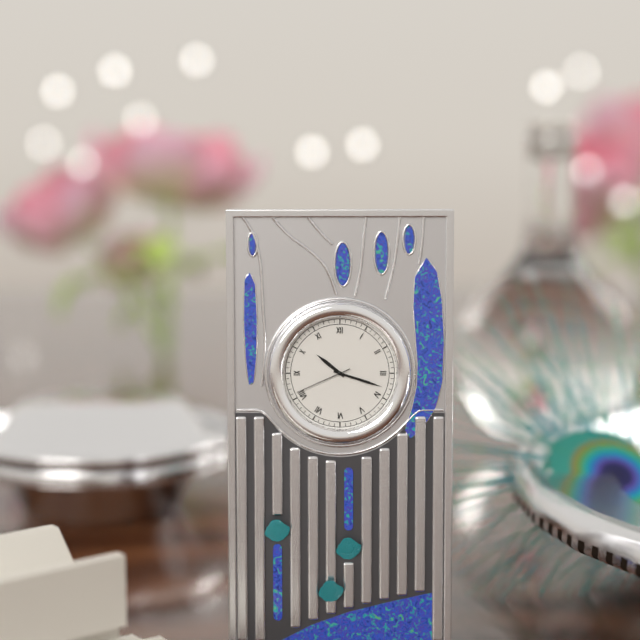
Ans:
10,18,41
